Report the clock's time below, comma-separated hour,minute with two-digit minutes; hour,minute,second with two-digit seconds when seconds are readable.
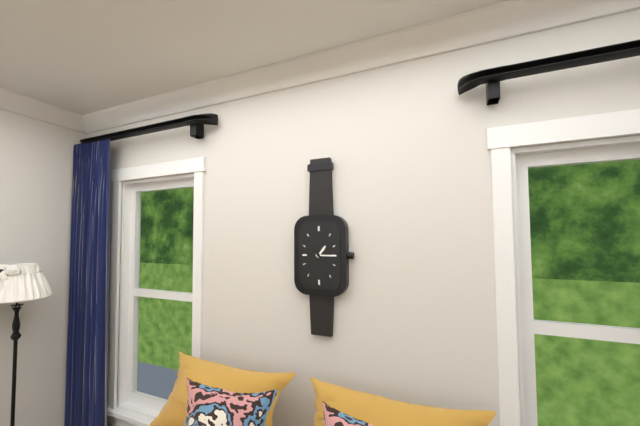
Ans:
1,15
